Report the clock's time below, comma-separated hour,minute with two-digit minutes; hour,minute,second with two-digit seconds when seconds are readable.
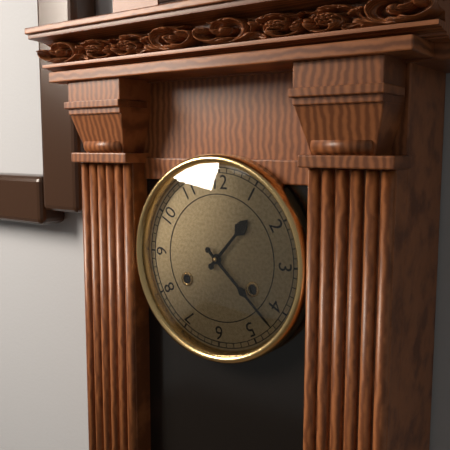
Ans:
1,22
